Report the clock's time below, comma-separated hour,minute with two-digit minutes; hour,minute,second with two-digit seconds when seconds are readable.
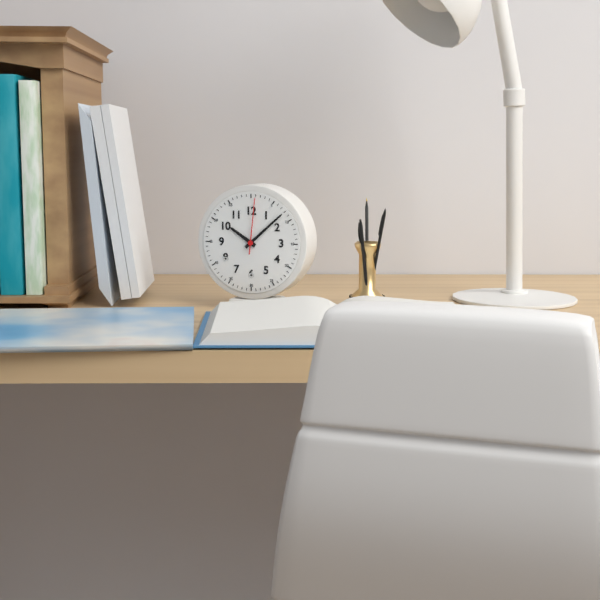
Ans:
10,08,01
